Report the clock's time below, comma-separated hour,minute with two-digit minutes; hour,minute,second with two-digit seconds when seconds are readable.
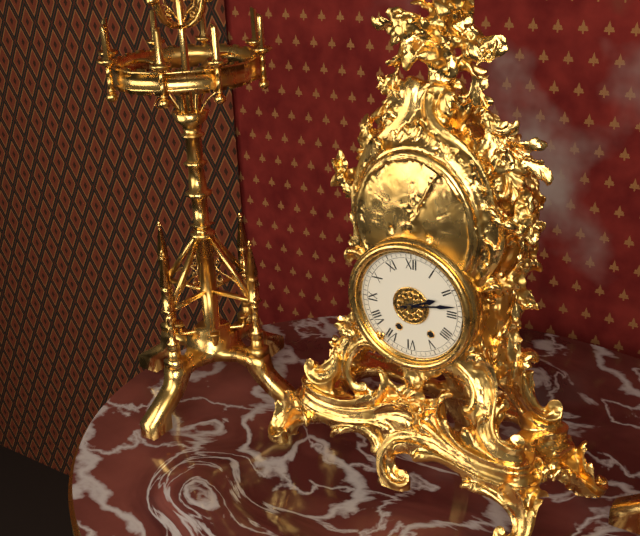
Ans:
2,13
